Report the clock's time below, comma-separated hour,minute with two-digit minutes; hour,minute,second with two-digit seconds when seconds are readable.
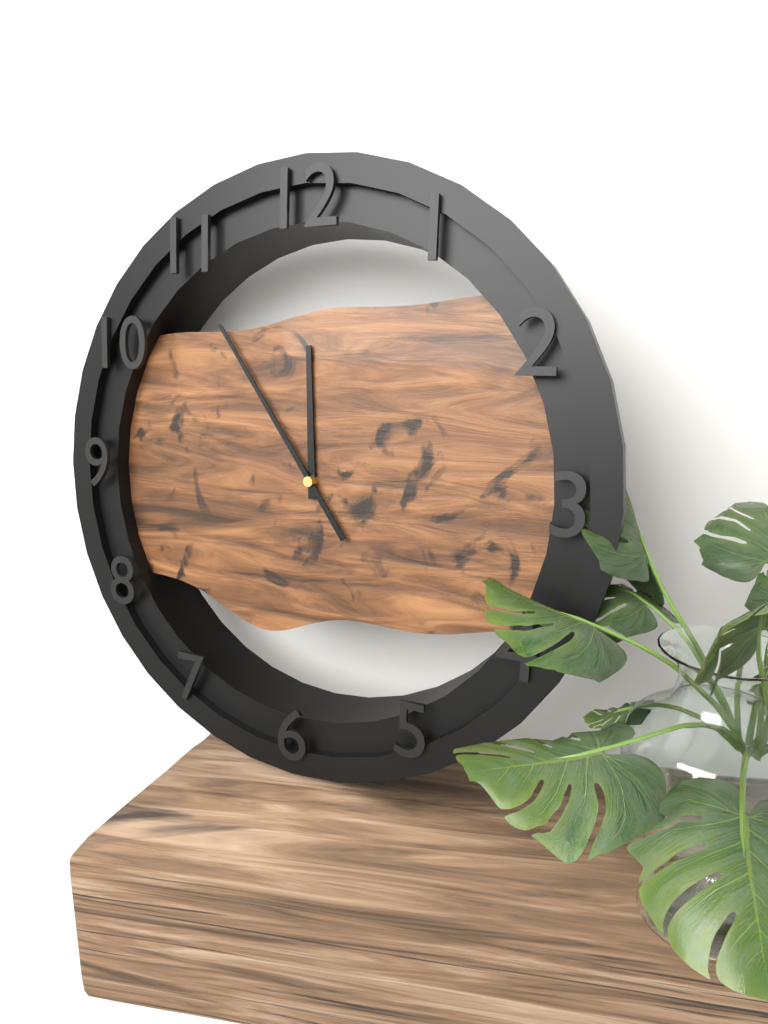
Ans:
11,54
